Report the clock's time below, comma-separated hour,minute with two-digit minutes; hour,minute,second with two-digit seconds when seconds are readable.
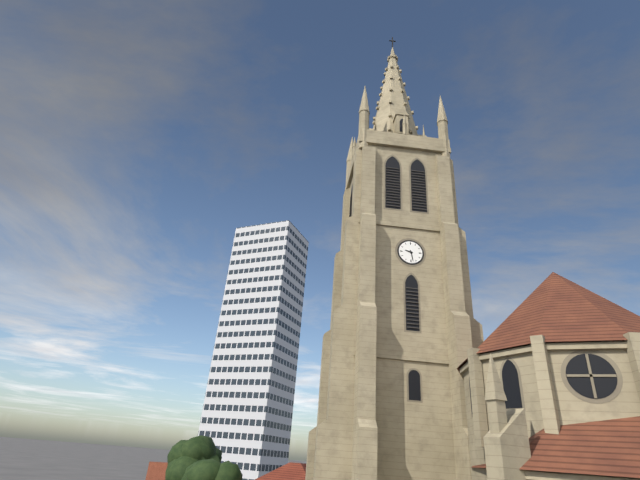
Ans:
9,28
